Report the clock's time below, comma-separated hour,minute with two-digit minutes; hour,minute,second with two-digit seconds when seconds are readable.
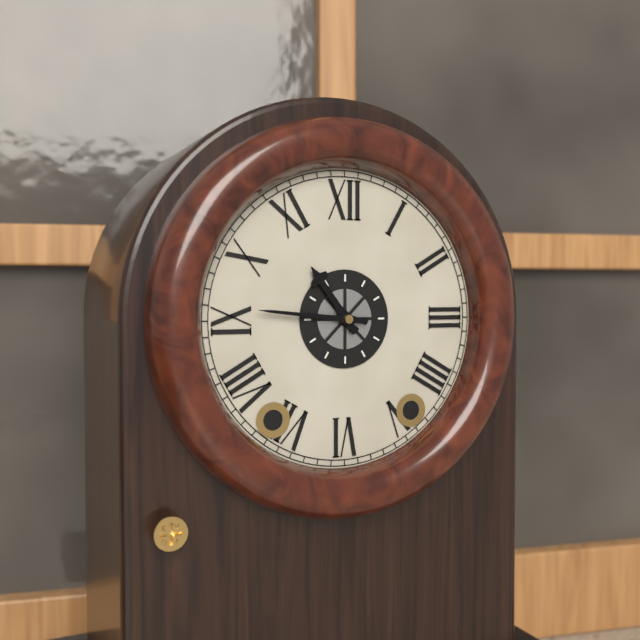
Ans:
10,46
